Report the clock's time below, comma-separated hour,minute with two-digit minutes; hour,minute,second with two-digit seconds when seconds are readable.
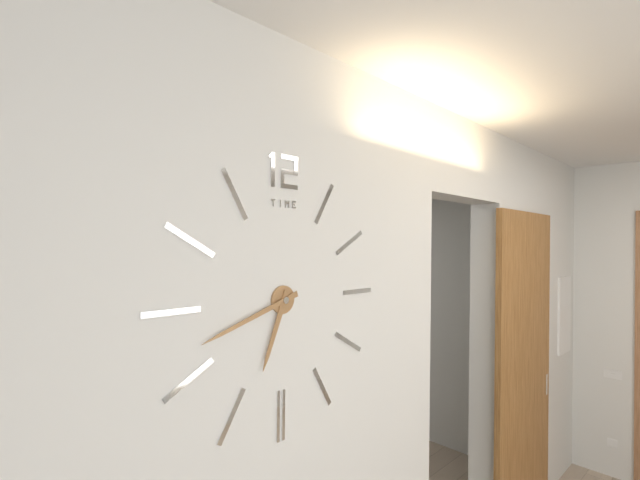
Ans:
6,42
